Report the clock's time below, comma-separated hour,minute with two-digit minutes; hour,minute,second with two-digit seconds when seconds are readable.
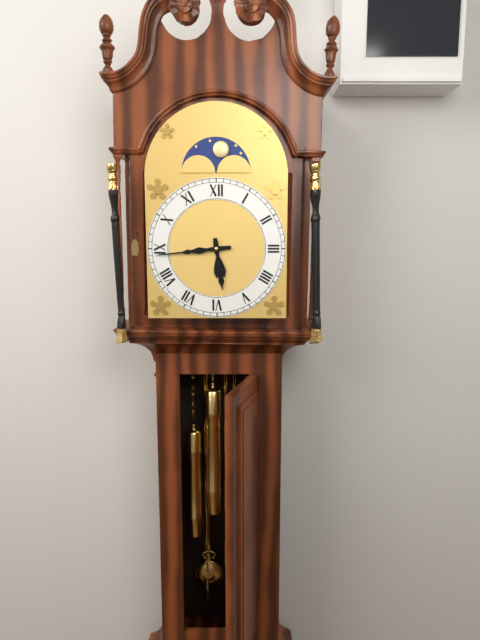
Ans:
5,44
